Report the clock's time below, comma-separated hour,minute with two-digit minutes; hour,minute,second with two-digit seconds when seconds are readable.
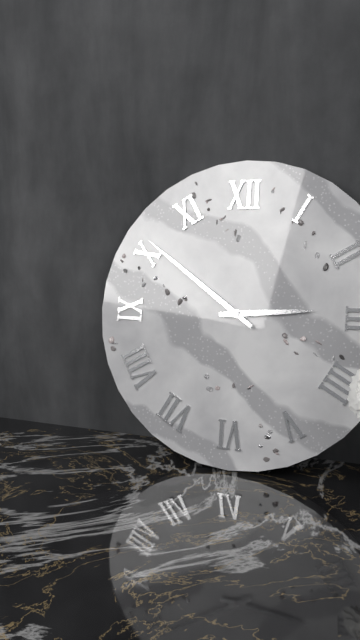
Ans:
2,51
